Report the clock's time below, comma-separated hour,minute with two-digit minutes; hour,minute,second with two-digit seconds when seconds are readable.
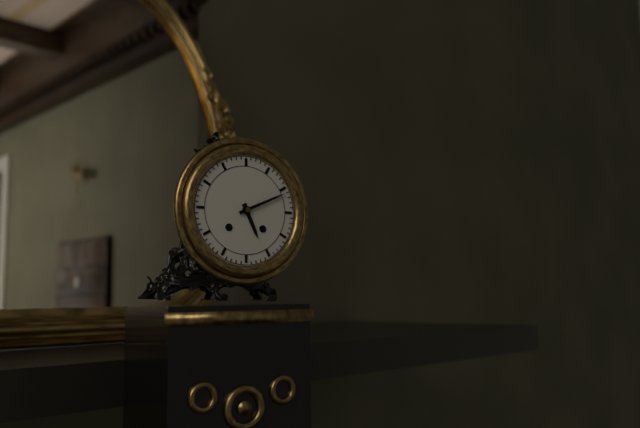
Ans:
5,11
